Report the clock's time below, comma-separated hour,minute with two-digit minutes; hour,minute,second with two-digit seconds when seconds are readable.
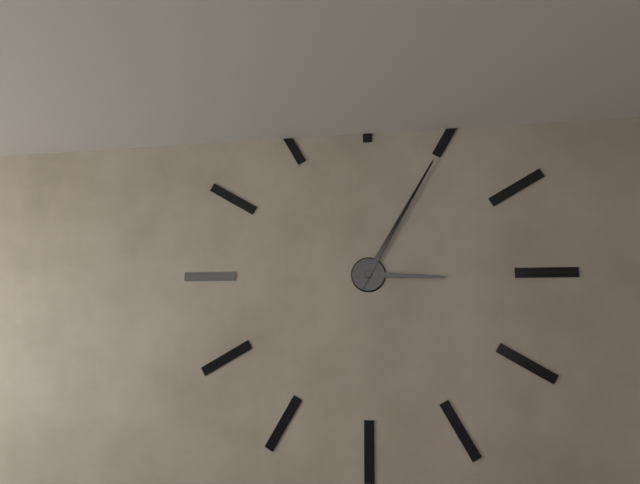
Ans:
3,05
